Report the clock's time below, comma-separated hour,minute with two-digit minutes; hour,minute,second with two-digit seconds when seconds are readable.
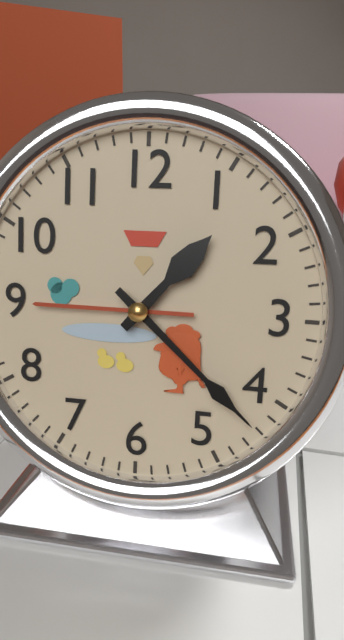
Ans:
1,22
